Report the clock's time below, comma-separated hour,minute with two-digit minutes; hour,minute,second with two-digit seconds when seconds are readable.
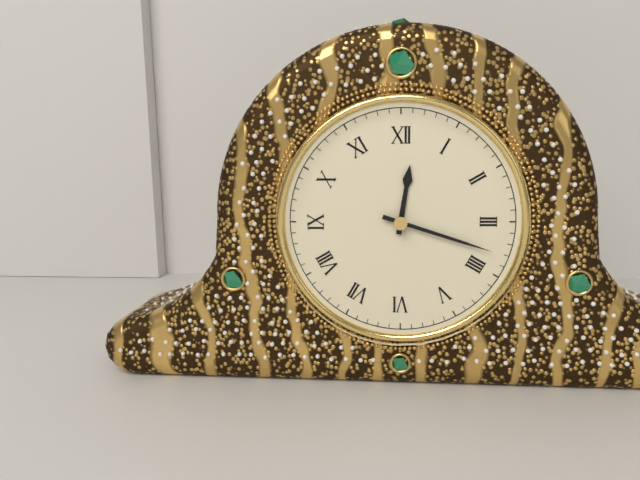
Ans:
12,18
